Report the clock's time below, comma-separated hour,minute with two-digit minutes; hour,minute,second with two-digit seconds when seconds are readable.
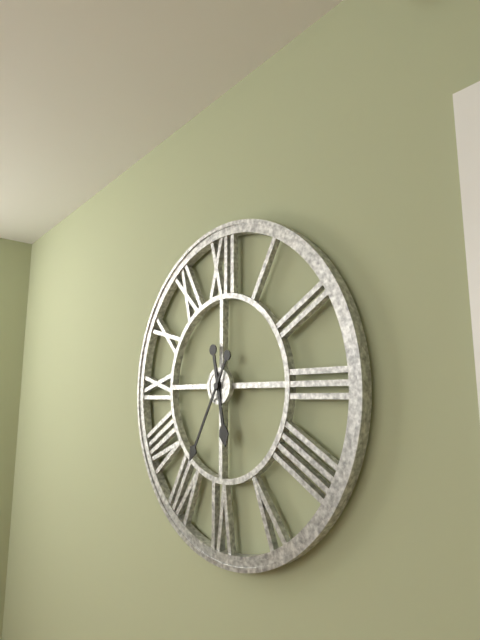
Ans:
5,35
